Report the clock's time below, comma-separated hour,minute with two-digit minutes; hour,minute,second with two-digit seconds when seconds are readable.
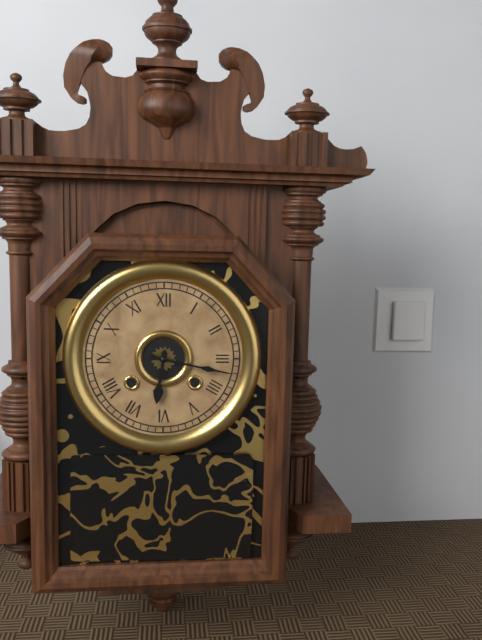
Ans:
6,17
